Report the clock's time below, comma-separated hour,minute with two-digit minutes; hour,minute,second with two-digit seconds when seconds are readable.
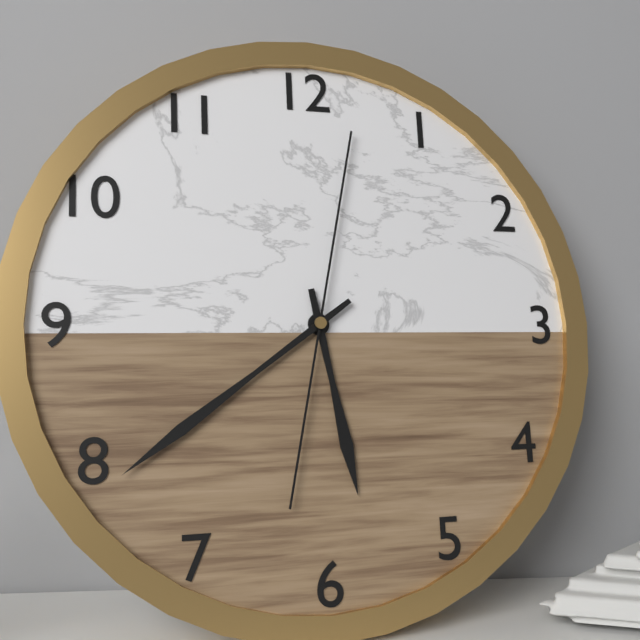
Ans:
5,39,02
